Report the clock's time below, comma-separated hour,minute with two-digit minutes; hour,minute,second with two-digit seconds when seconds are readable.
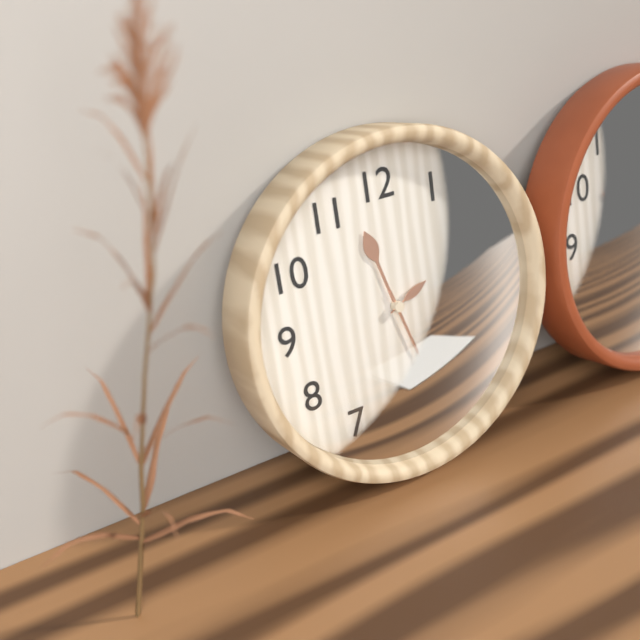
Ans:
11,27
